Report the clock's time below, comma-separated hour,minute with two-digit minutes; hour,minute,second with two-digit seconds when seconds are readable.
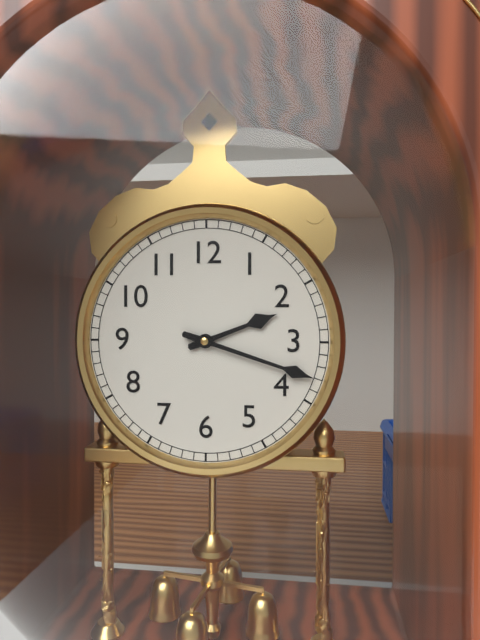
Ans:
2,18
